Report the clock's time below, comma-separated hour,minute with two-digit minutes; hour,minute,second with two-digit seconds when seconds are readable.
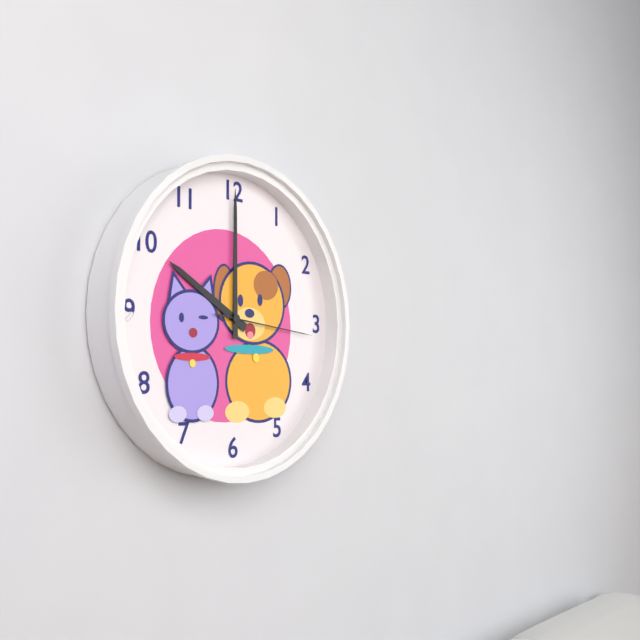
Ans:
10,00,16
